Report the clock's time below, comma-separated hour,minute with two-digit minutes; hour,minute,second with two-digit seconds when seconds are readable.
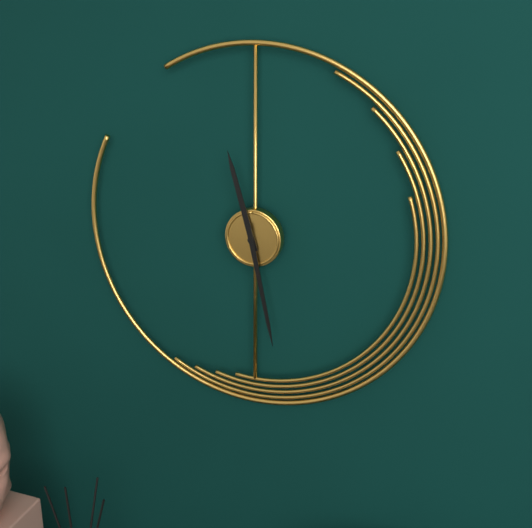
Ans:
11,28
